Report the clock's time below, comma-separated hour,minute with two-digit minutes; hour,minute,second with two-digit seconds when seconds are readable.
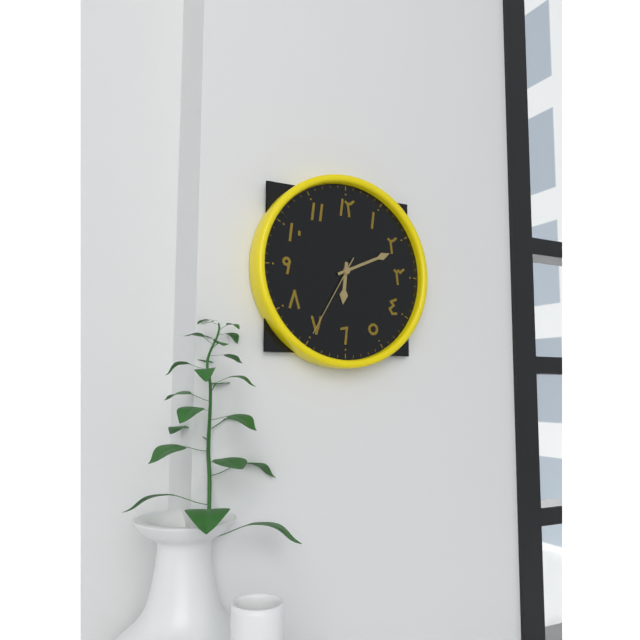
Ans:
6,11,35
